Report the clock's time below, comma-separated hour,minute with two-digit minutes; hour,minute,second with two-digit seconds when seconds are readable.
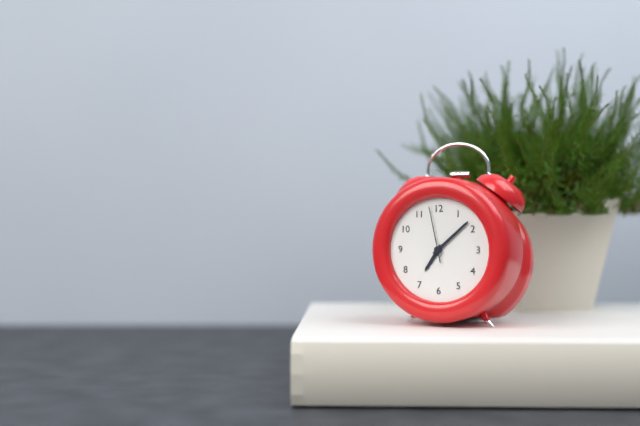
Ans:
7,08,58
